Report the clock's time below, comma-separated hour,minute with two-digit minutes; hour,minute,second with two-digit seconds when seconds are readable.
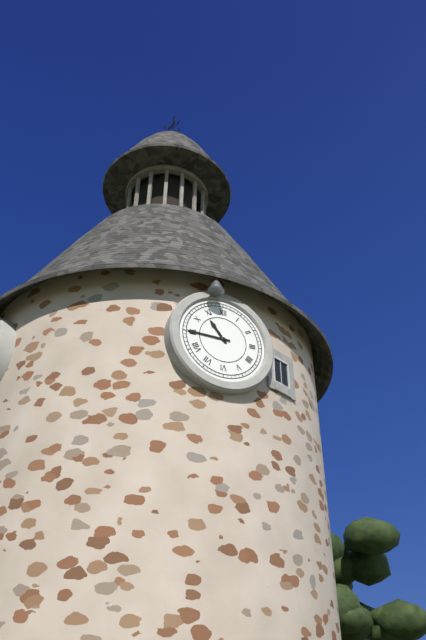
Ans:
10,45
